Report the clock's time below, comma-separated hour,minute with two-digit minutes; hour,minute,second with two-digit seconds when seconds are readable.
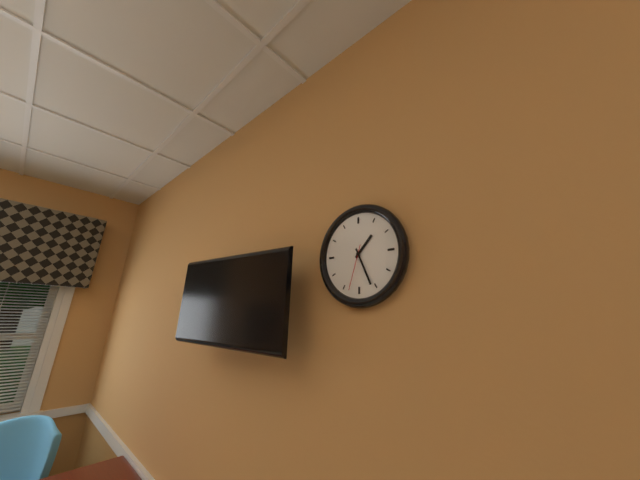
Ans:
1,26
